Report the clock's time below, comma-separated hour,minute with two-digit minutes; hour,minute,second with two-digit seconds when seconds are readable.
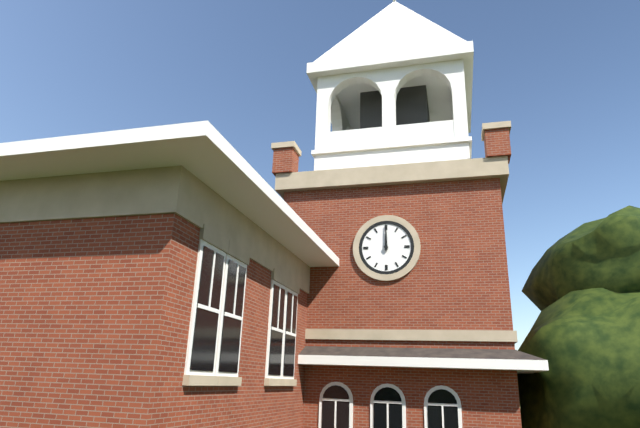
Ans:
12,00
